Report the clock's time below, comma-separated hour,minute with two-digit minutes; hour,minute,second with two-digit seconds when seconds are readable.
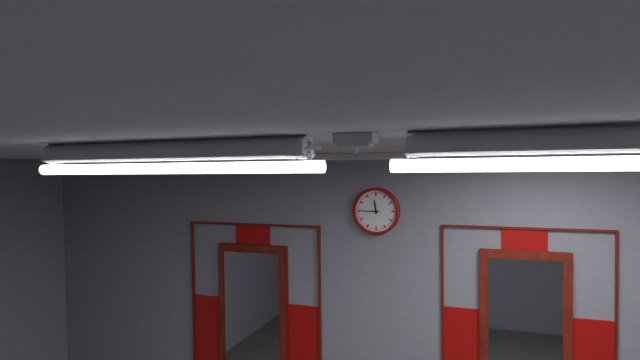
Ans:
11,45
